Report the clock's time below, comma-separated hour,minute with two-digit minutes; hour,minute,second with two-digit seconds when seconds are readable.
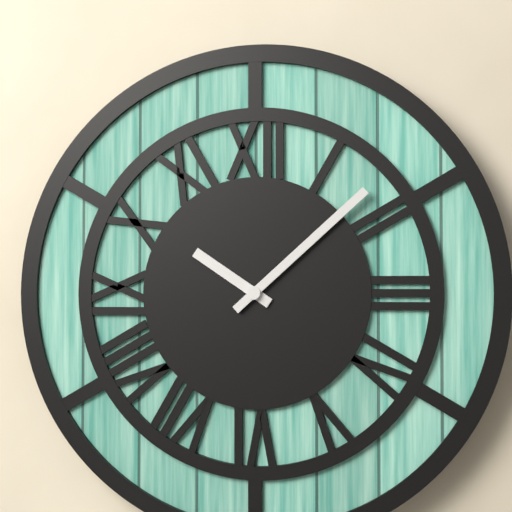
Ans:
10,08
